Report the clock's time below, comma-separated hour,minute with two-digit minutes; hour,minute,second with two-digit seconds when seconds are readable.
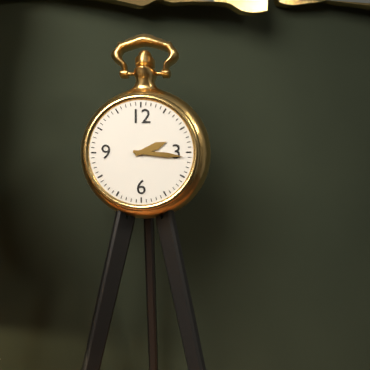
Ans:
2,16
